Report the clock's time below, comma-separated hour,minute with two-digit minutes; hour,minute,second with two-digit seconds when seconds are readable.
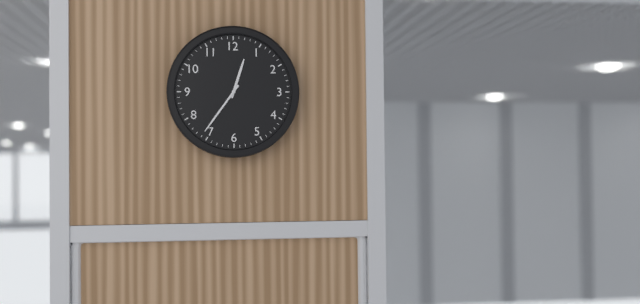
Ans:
12,36
